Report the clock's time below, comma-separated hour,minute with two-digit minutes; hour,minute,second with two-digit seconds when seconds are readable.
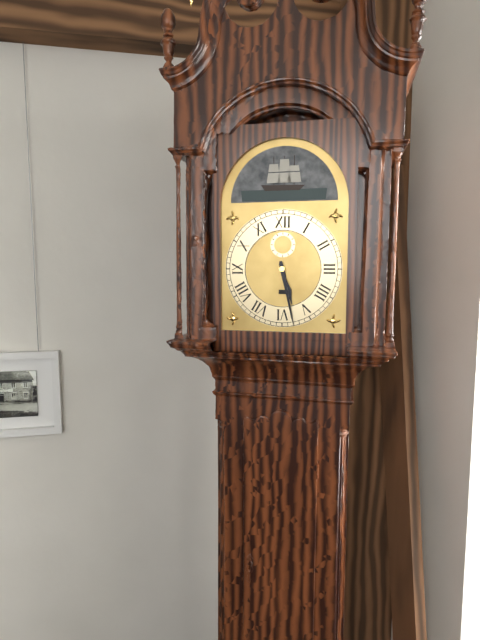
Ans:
5,28
